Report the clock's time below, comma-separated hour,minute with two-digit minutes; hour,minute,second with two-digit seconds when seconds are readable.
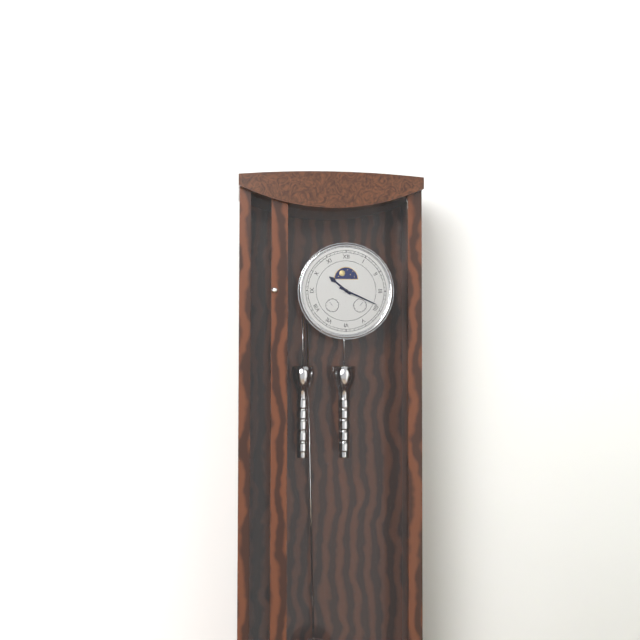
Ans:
10,19
